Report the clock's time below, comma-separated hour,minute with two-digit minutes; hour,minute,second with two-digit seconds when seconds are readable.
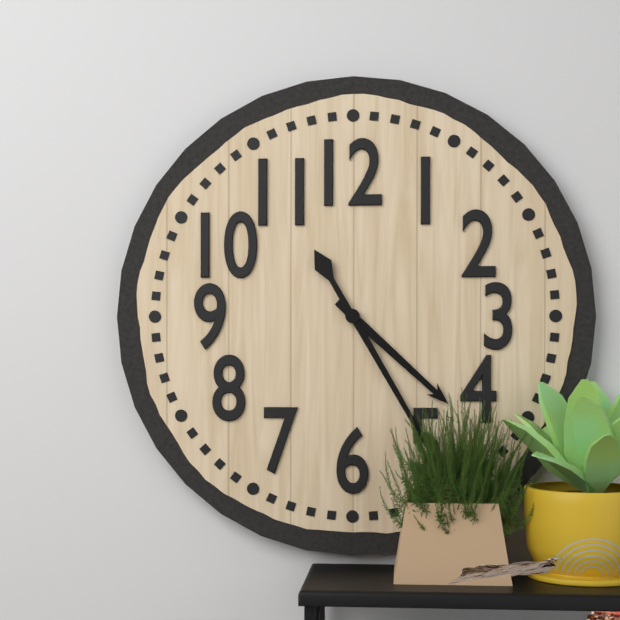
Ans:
4,25
